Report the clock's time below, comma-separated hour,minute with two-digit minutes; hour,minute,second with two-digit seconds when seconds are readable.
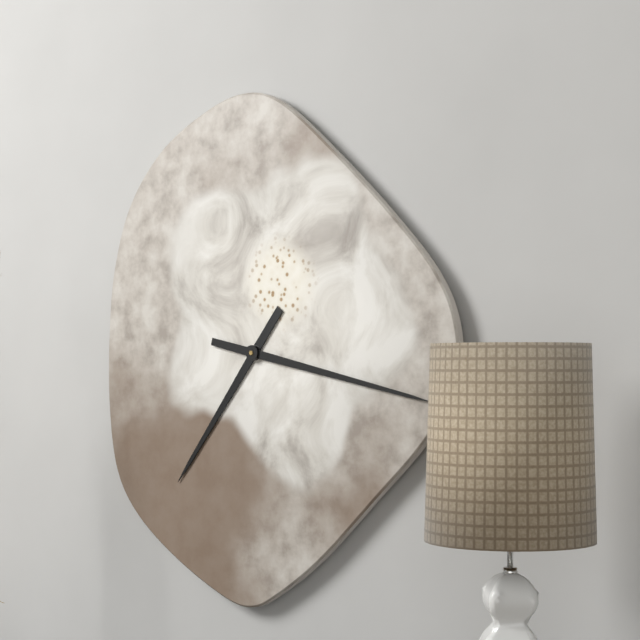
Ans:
7,17
